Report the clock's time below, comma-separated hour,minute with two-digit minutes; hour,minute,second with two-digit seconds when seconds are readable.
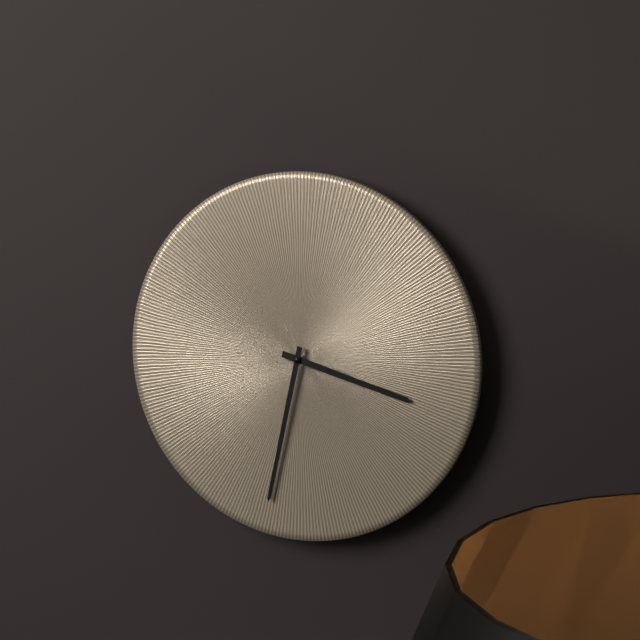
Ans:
3,32
